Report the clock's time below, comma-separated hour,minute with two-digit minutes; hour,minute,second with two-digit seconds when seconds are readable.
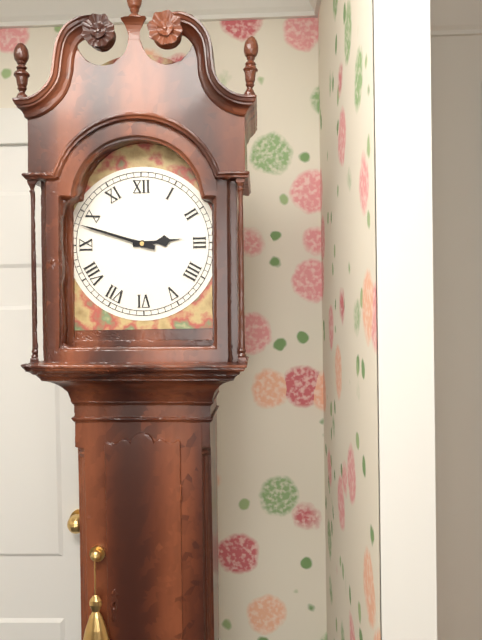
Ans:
2,48
